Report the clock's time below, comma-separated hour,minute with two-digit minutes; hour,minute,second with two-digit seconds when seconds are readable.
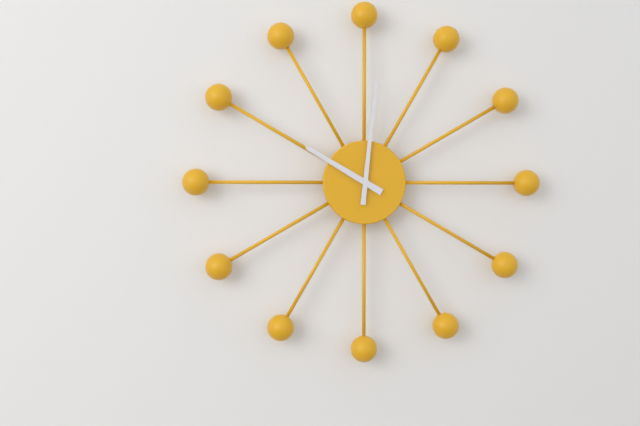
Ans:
10,01
